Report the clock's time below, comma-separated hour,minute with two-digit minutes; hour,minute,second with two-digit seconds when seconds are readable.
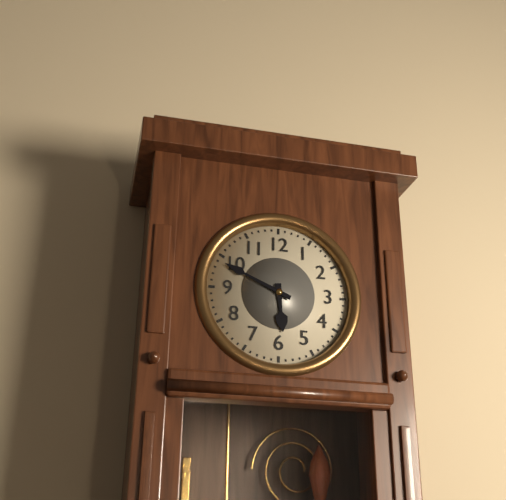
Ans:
5,49
